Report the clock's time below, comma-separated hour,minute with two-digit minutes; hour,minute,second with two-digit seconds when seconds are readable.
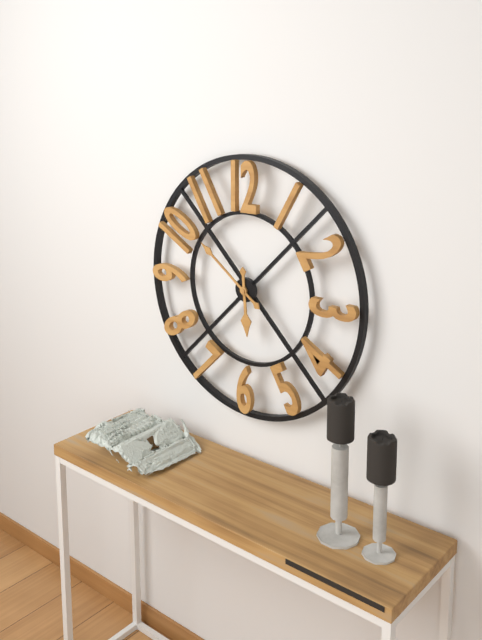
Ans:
5,51
